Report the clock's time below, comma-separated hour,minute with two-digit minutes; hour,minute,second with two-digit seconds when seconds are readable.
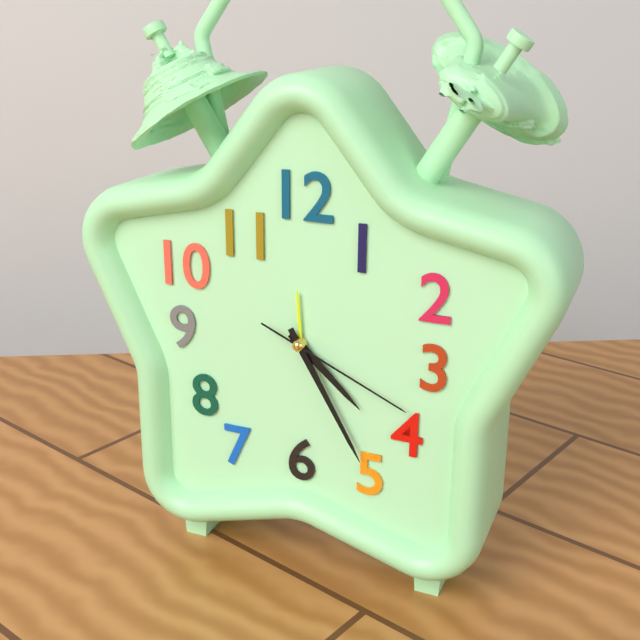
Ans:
4,25,19
